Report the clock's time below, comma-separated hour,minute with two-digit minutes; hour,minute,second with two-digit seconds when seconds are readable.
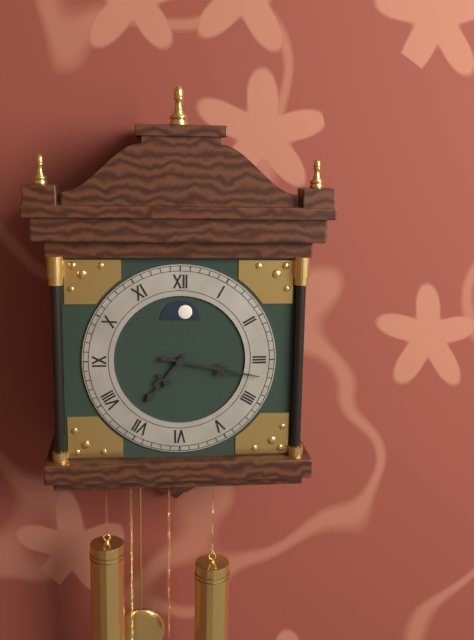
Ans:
7,17
